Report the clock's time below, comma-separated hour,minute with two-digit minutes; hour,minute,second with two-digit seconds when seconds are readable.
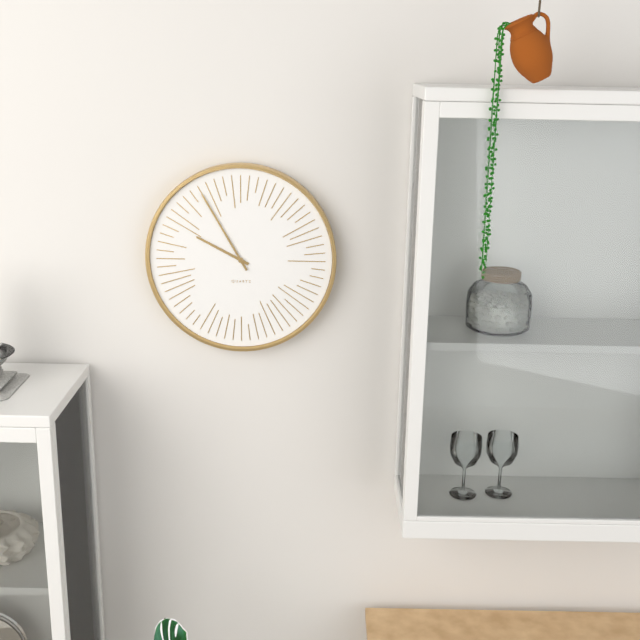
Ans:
9,55
